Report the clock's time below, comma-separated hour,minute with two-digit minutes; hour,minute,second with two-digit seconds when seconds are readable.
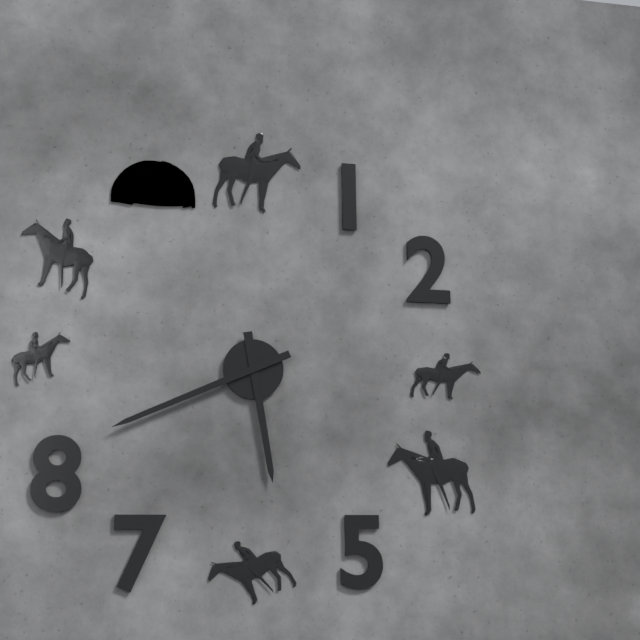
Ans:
5,41
